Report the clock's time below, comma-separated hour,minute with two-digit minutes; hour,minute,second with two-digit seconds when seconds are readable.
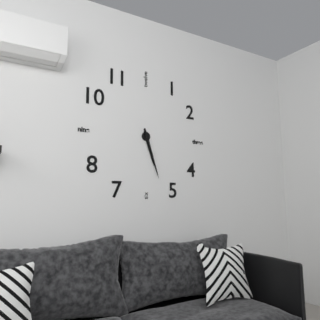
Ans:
5,27
